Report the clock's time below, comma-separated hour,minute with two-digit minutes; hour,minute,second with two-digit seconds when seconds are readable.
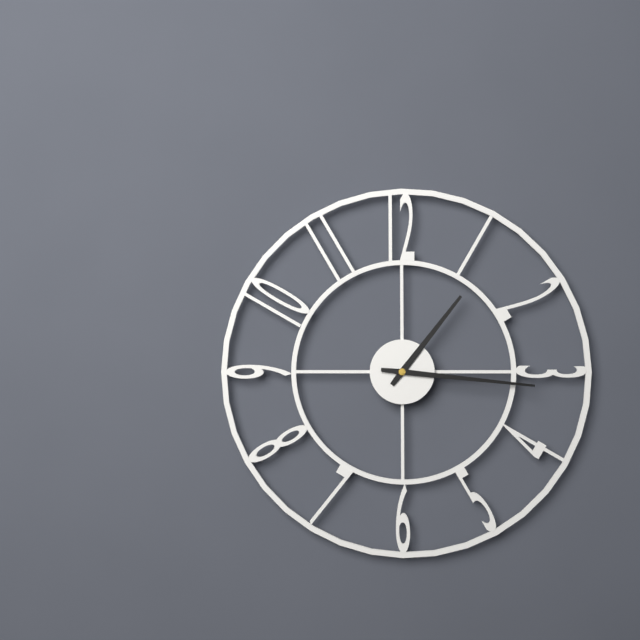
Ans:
1,16
